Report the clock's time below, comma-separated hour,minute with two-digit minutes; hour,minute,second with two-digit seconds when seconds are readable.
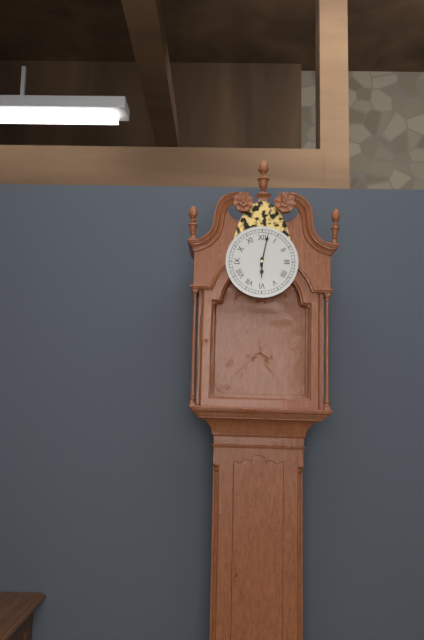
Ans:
6,02
